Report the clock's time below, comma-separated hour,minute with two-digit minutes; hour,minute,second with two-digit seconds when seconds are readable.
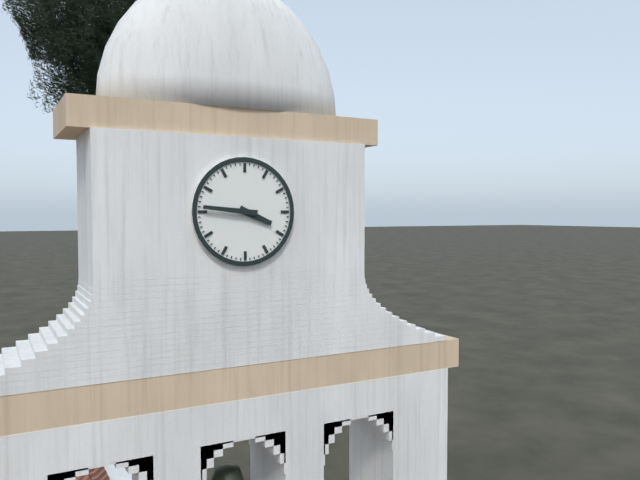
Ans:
3,46
